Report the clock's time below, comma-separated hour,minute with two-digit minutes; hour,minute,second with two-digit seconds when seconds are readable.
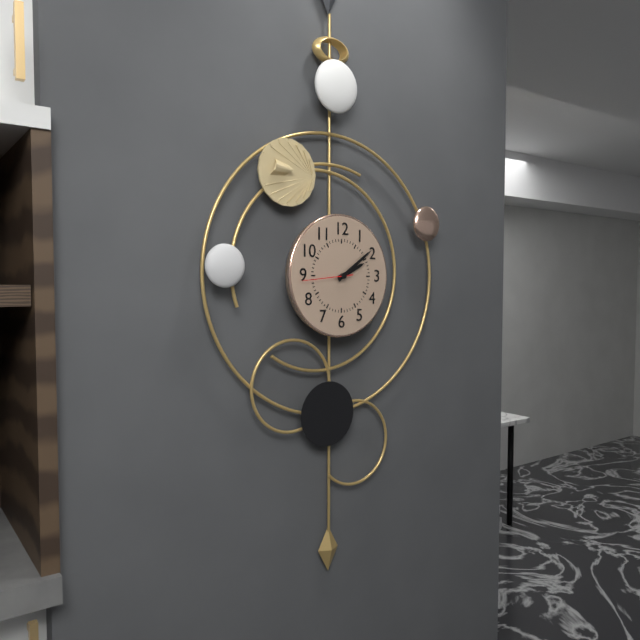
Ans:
2,09,44
